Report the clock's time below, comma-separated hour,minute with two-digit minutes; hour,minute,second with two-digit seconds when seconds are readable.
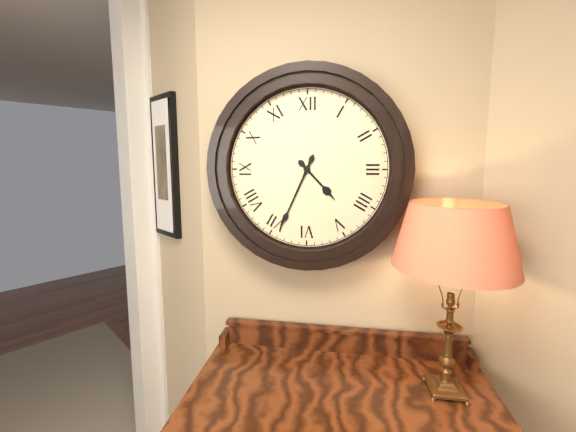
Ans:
4,34
